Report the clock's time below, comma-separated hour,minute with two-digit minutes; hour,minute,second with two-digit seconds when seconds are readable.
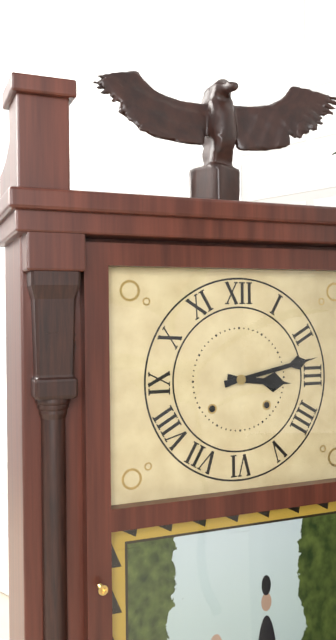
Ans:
3,13
